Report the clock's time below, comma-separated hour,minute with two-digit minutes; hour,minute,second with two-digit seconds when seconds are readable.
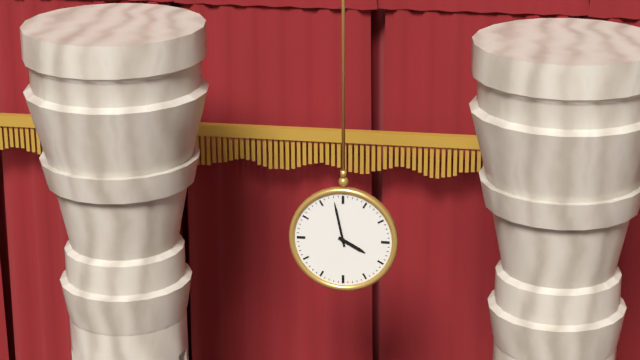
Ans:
3,58
